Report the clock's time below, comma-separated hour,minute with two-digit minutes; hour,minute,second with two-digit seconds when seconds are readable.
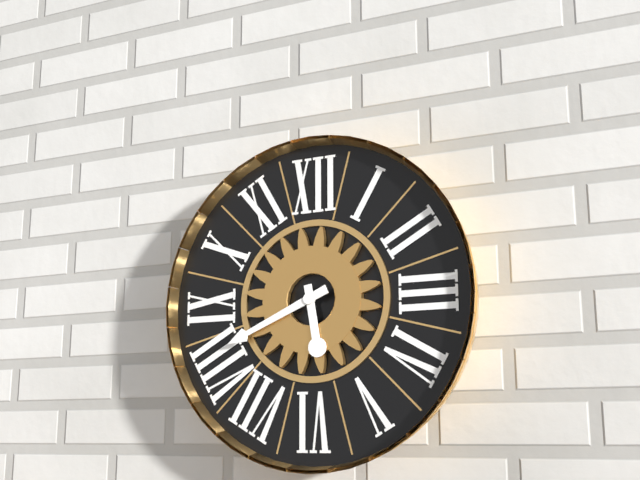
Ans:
5,41
